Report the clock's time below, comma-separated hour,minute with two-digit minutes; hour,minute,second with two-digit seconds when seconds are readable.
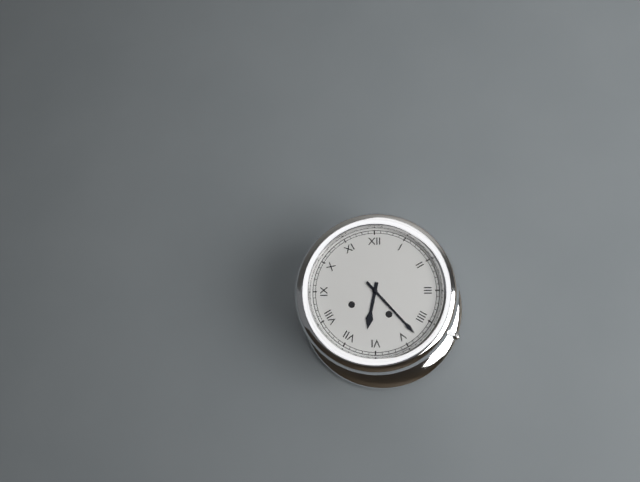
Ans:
6,23
